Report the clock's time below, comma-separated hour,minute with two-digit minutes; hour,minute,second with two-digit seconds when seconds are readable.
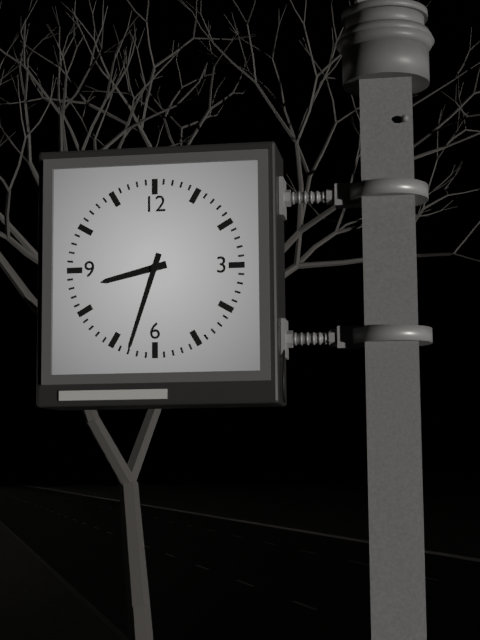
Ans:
8,33
